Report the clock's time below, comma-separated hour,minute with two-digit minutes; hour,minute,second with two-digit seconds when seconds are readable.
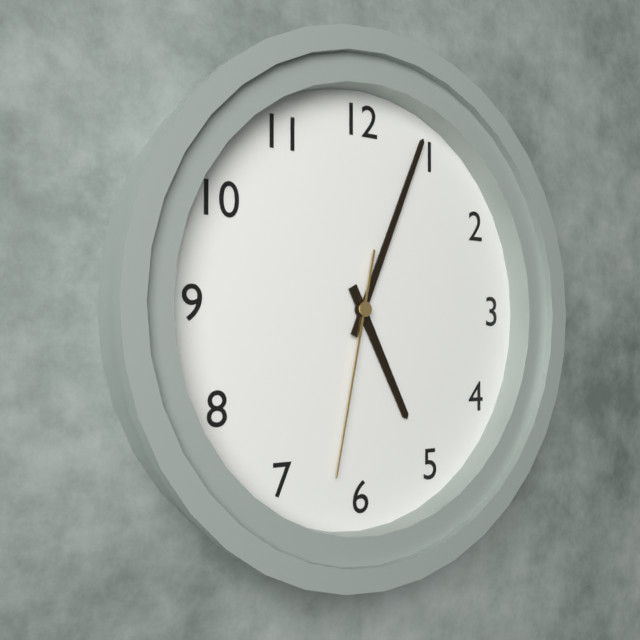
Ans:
5,04,32
